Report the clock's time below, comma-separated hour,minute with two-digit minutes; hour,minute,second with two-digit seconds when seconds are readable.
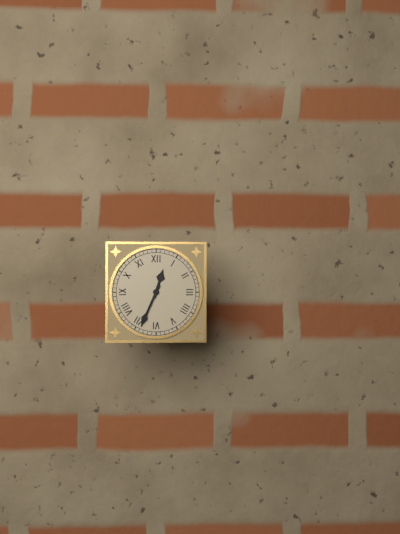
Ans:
12,34
